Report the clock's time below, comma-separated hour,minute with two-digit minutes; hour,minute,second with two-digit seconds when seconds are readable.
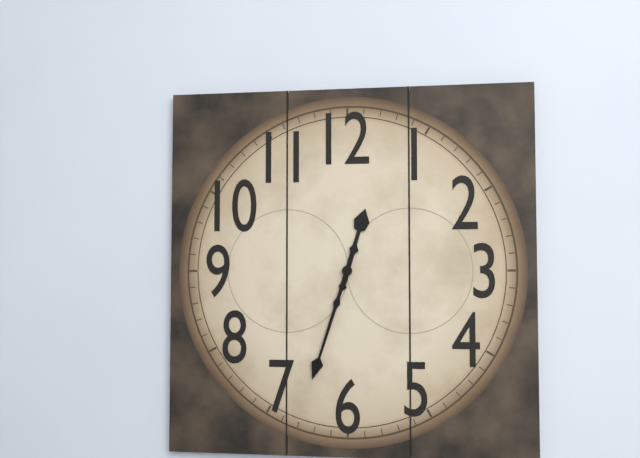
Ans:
12,33
